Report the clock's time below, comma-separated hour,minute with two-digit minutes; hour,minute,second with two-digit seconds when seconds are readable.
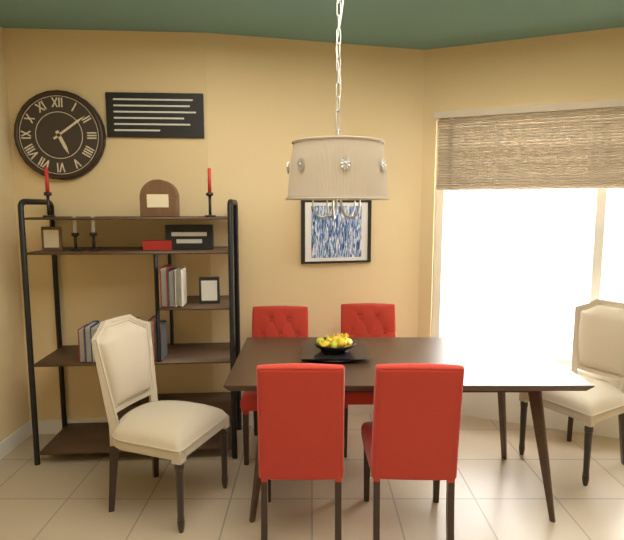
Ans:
5,09
